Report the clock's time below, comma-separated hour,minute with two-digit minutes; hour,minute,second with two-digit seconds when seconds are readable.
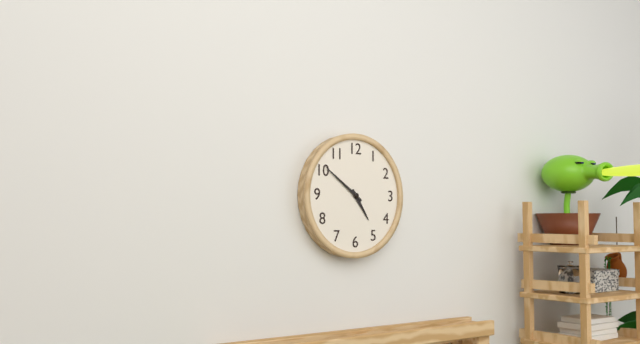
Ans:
4,51
